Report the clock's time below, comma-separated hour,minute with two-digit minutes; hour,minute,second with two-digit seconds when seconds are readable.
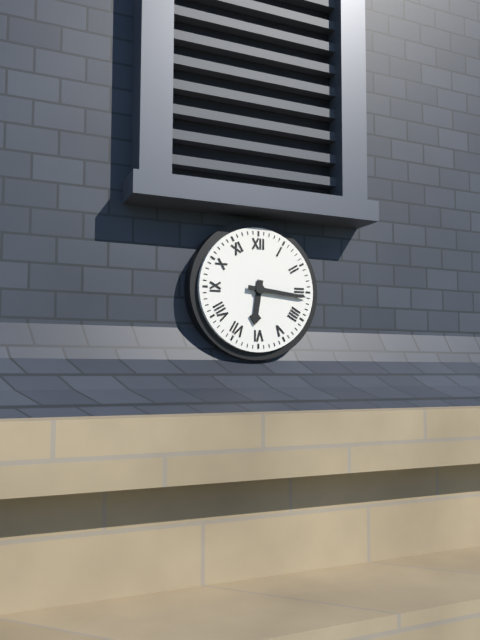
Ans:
6,16
